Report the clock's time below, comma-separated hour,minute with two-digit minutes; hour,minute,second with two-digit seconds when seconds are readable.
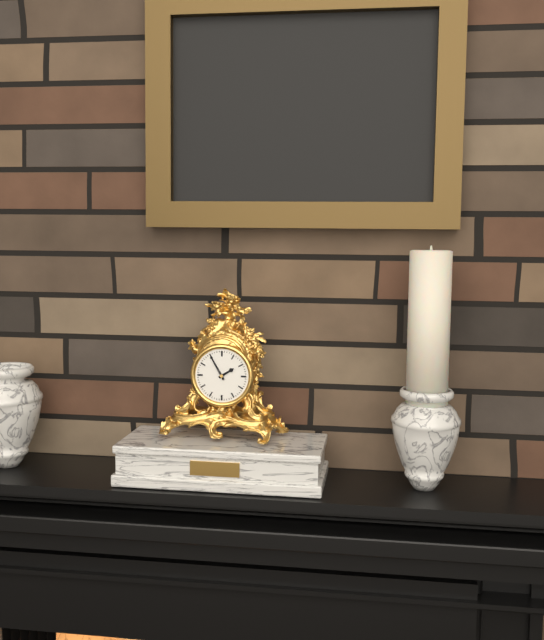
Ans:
1,55
